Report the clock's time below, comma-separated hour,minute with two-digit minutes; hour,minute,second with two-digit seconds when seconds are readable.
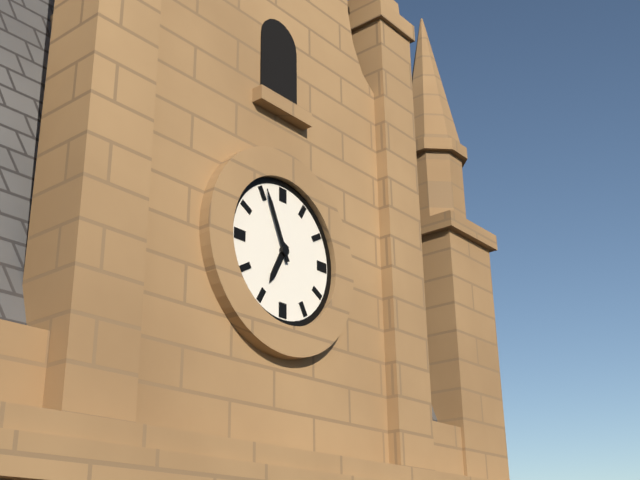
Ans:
6,56
